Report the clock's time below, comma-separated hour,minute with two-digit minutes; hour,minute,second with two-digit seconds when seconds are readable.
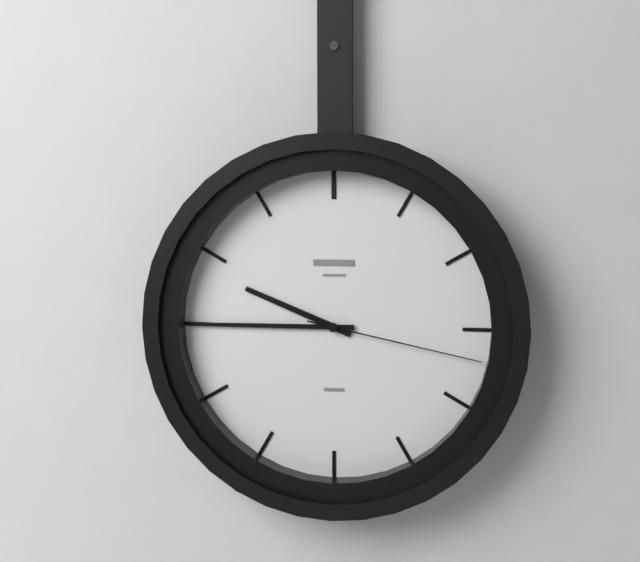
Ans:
9,45,17
